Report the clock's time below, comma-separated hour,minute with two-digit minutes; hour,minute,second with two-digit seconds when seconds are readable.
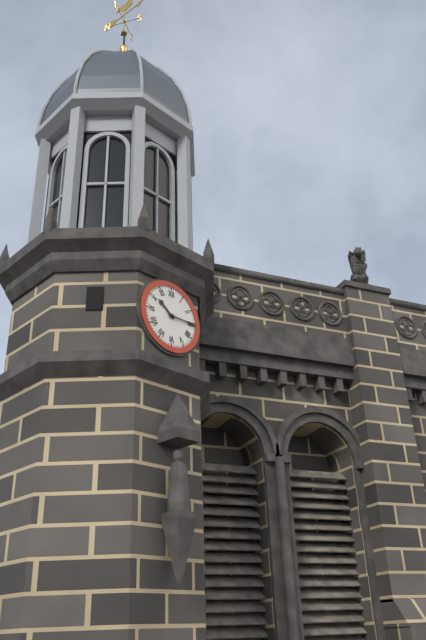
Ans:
10,15
